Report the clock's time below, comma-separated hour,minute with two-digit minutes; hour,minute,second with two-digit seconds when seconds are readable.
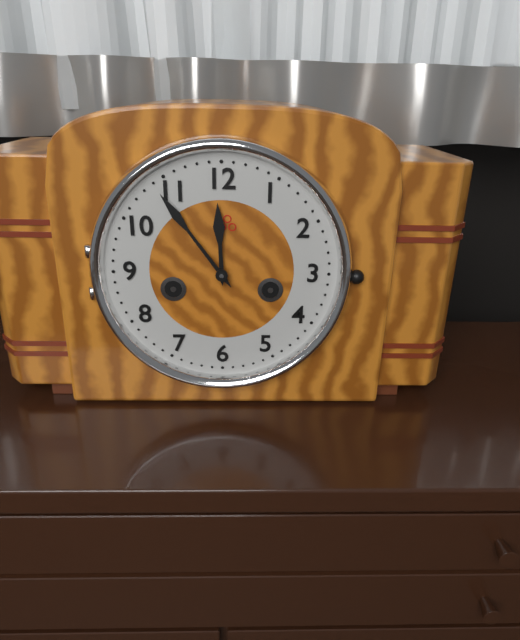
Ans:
11,54
